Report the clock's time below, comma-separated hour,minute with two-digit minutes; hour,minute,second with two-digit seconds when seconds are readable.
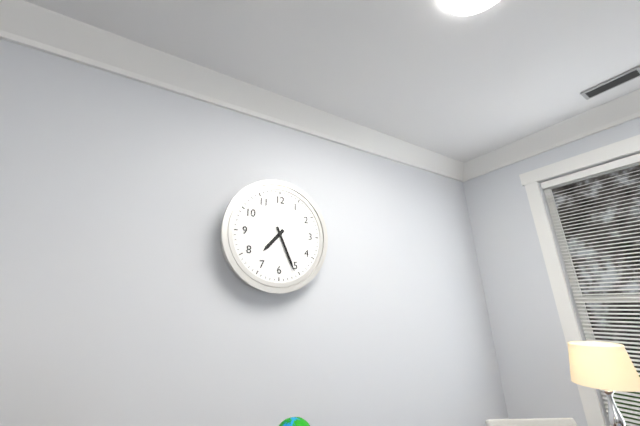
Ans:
7,26
